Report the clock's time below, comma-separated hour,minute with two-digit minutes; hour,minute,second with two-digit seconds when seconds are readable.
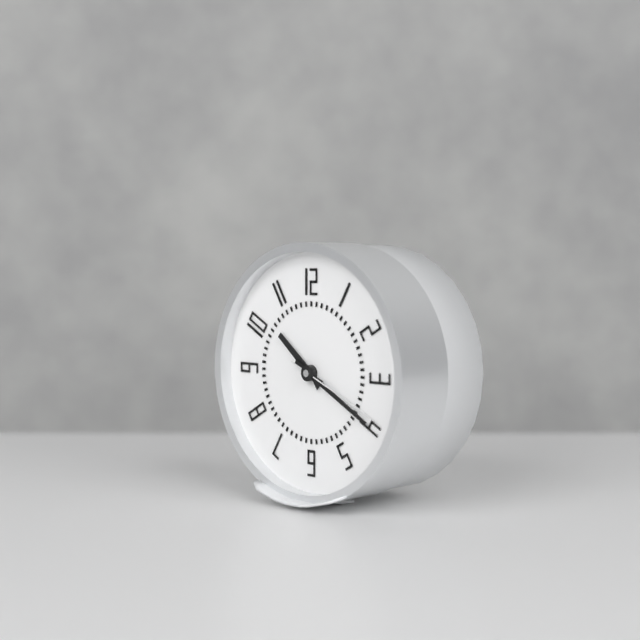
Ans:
10,20,19
